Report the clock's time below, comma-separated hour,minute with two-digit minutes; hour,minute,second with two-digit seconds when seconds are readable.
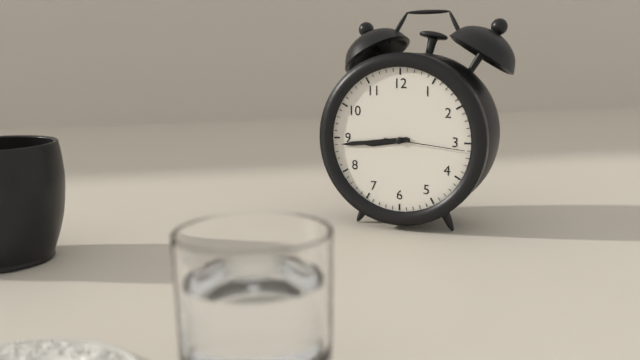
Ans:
8,44,16
